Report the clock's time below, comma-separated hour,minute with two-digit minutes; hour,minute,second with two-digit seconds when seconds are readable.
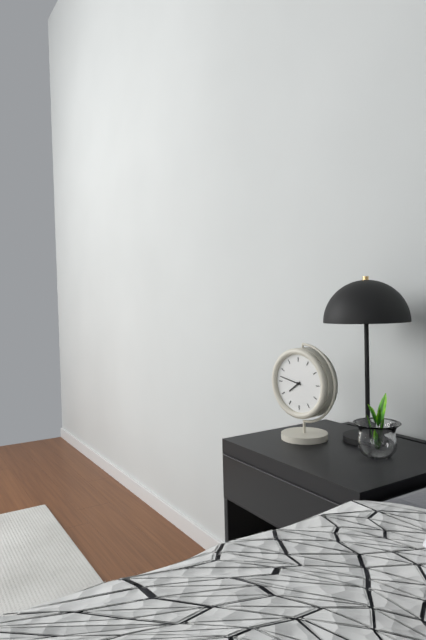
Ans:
7,47
